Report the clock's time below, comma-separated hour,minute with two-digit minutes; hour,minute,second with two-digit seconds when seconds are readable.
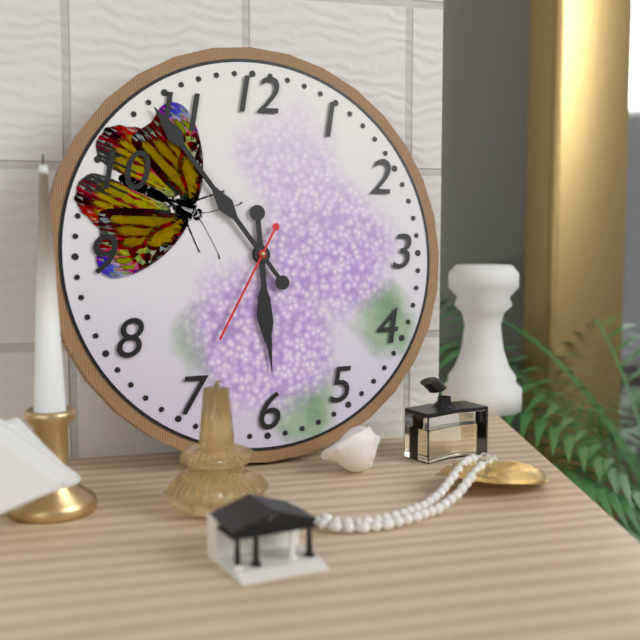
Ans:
5,54,35
